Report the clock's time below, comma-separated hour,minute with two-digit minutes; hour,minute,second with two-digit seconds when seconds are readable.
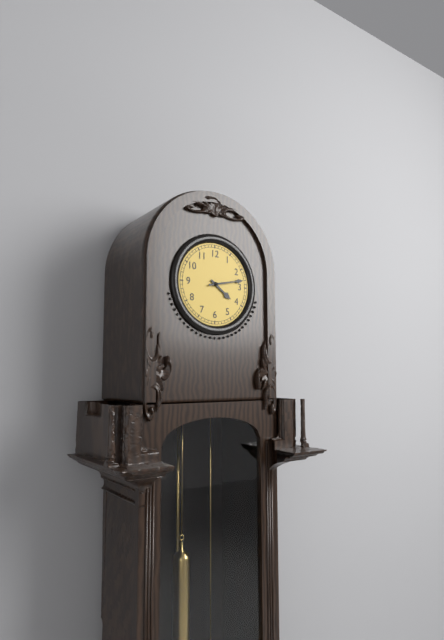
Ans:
4,13
